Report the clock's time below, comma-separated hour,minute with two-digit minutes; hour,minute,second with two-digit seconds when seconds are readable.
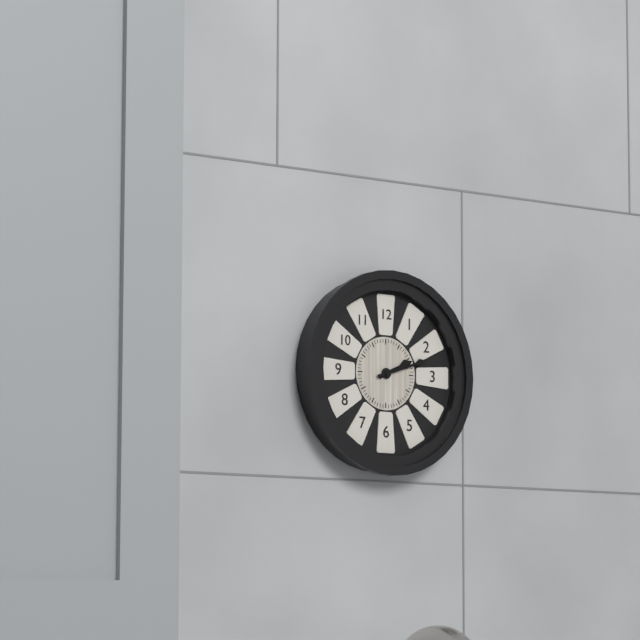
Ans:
2,12
